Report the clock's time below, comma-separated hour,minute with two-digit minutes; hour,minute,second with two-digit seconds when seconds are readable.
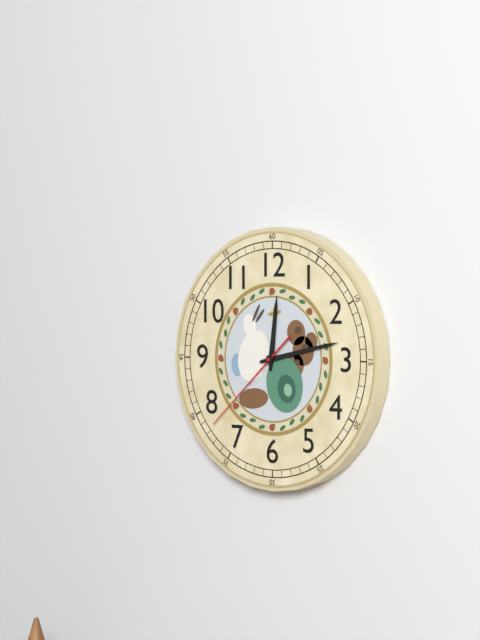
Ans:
12,13,38
